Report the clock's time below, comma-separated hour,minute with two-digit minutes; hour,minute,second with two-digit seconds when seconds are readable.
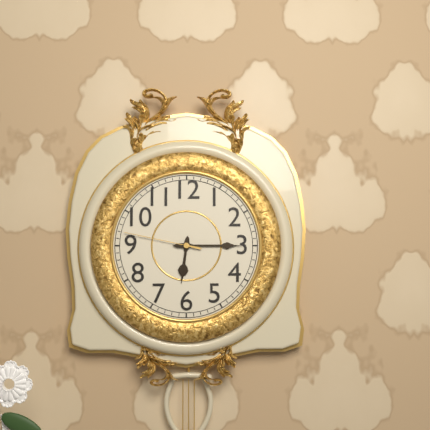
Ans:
6,15,47
